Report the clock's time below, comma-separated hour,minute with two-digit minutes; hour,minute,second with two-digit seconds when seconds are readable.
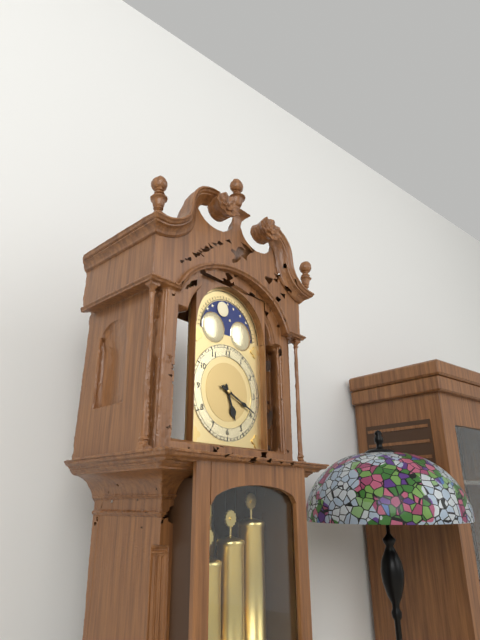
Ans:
5,19
